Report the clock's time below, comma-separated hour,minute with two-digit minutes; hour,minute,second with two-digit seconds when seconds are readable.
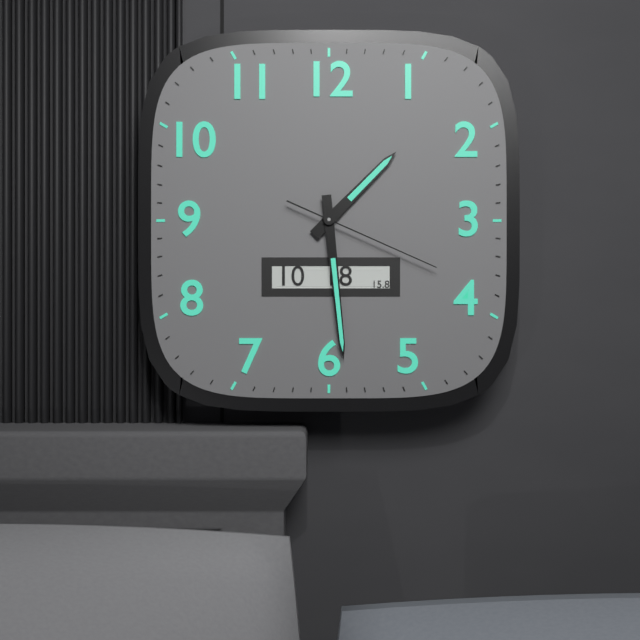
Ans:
1,29,19
